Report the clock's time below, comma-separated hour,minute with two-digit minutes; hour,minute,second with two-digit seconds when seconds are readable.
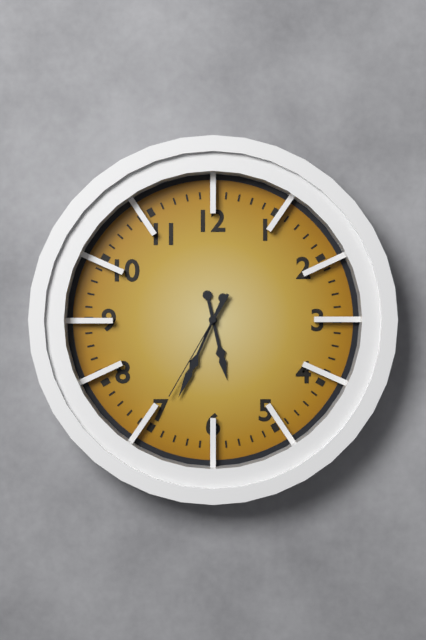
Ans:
5,34,35
